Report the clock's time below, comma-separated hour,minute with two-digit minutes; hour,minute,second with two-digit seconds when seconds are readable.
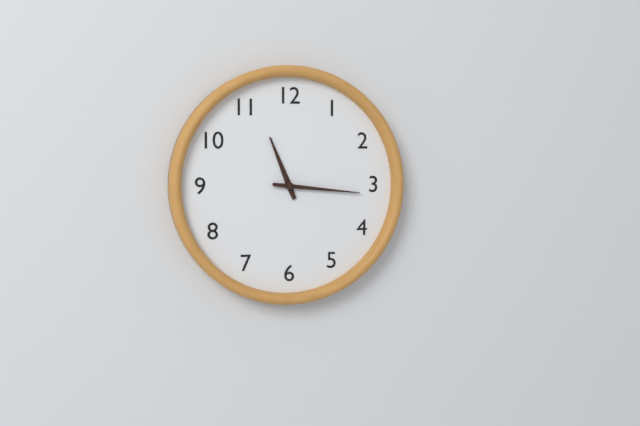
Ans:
11,16
